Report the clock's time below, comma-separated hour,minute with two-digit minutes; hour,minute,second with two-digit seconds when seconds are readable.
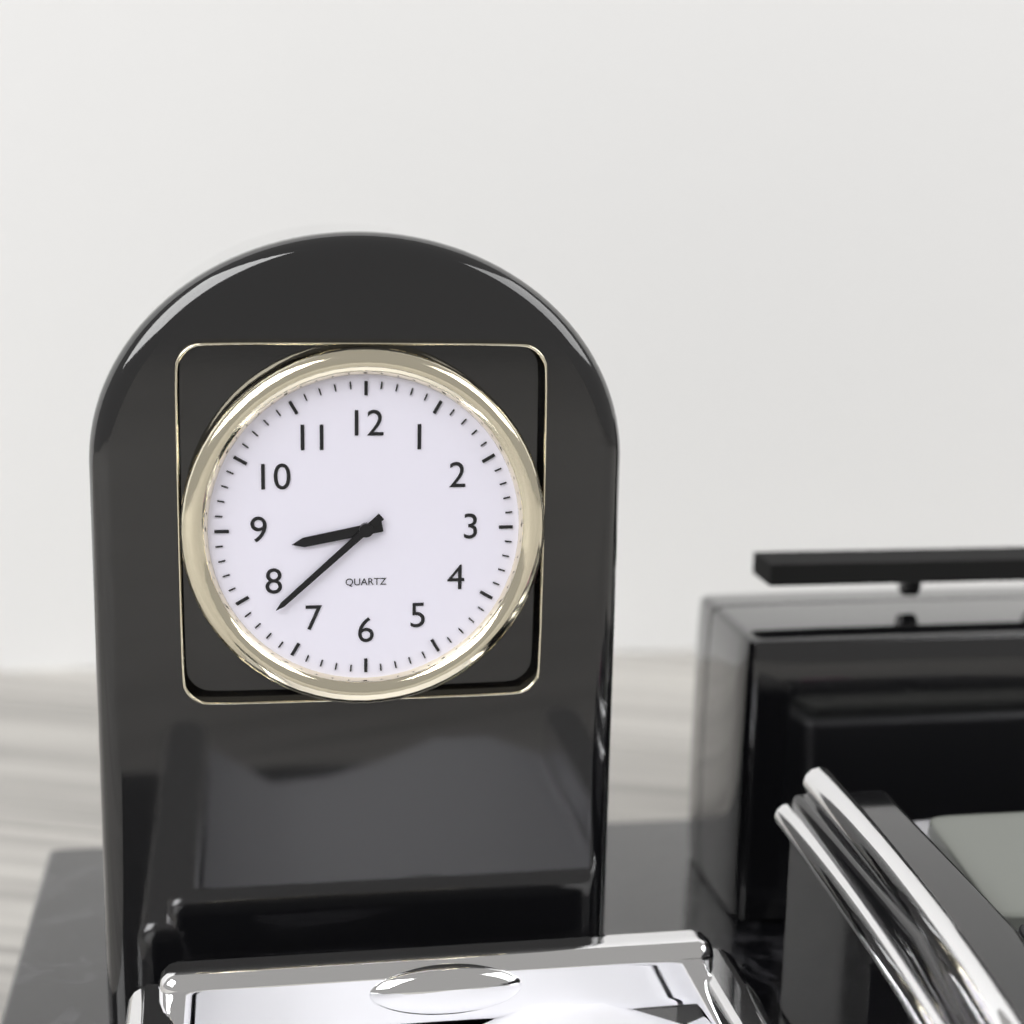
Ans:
8,38
